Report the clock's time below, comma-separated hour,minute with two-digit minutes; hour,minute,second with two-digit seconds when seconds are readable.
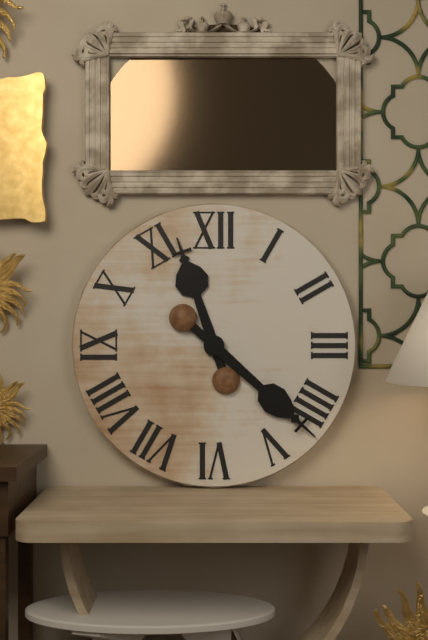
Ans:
11,22
